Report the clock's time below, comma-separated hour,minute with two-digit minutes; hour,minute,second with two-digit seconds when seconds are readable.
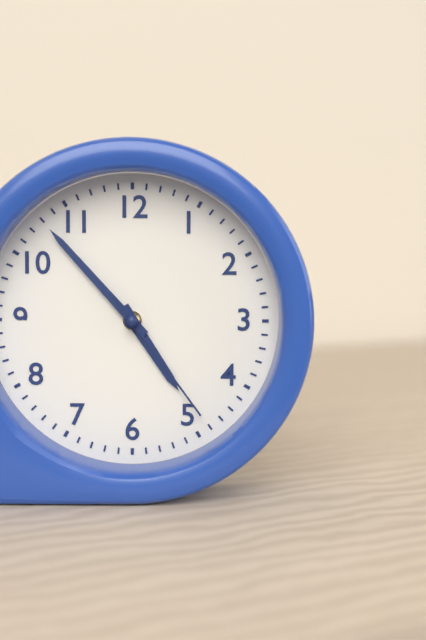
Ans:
4,53,24
